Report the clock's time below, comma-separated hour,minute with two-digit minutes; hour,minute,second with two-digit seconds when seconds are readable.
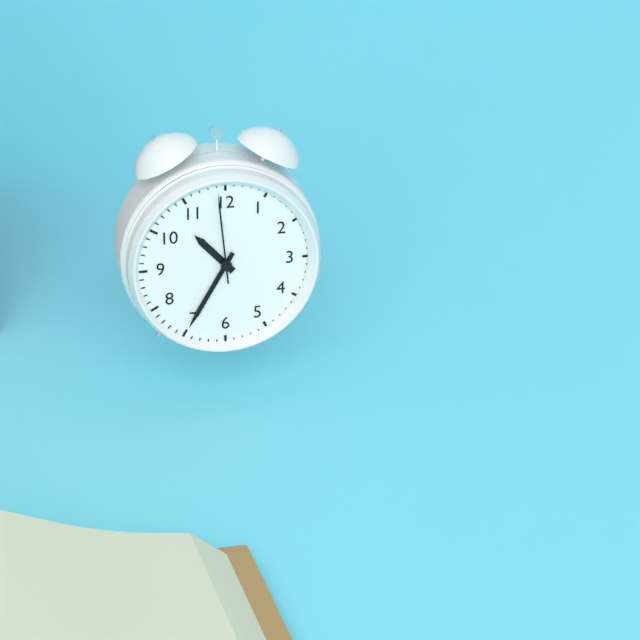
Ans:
10,35,59
